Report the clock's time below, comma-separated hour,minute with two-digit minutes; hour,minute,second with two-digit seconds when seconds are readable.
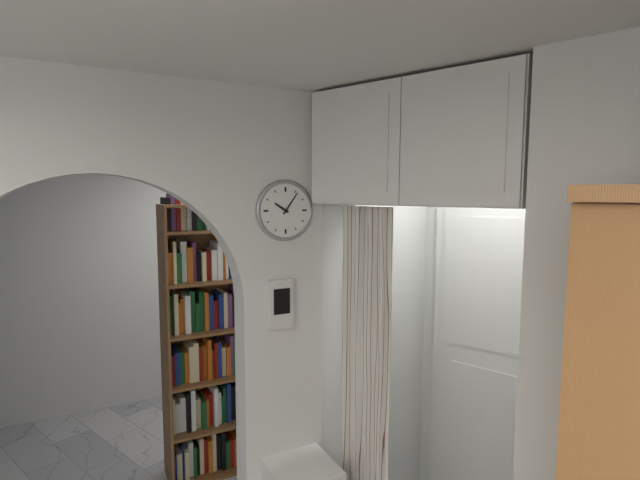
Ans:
10,06
